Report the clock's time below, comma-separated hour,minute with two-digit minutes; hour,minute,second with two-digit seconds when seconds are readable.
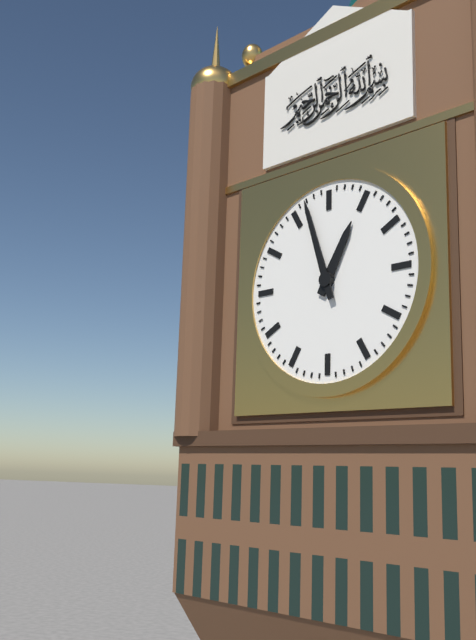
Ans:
12,57
